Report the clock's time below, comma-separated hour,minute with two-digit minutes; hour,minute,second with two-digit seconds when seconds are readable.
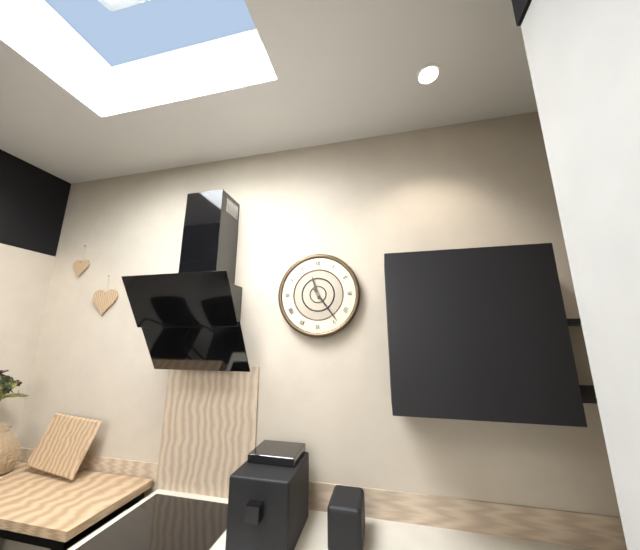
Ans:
11,24
